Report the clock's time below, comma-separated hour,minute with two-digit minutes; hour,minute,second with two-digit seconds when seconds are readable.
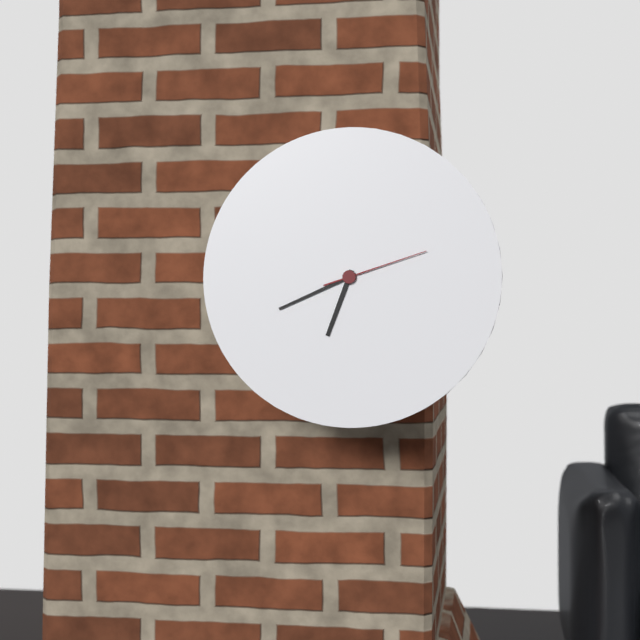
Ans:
6,41,12
